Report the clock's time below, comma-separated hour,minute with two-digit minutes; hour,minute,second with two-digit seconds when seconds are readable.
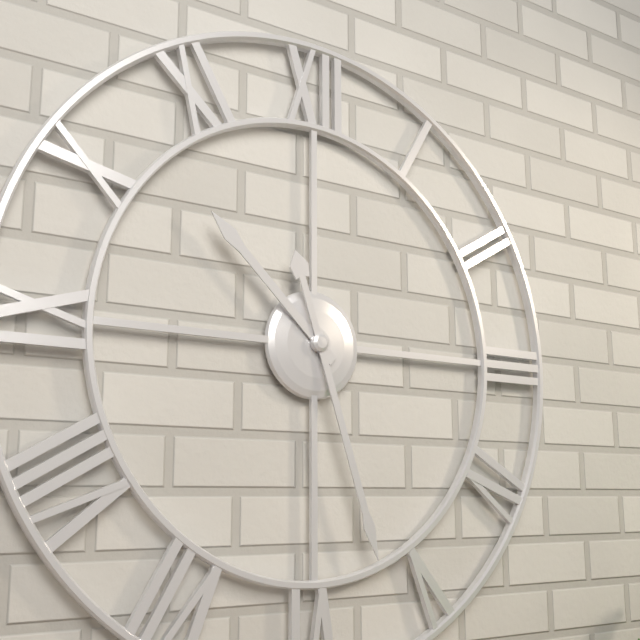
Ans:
10,27
